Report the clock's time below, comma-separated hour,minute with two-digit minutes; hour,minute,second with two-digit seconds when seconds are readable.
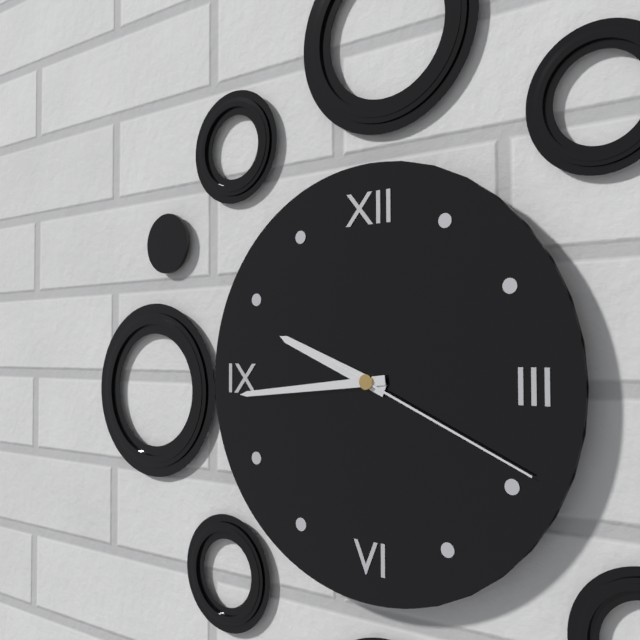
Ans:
9,44,19
